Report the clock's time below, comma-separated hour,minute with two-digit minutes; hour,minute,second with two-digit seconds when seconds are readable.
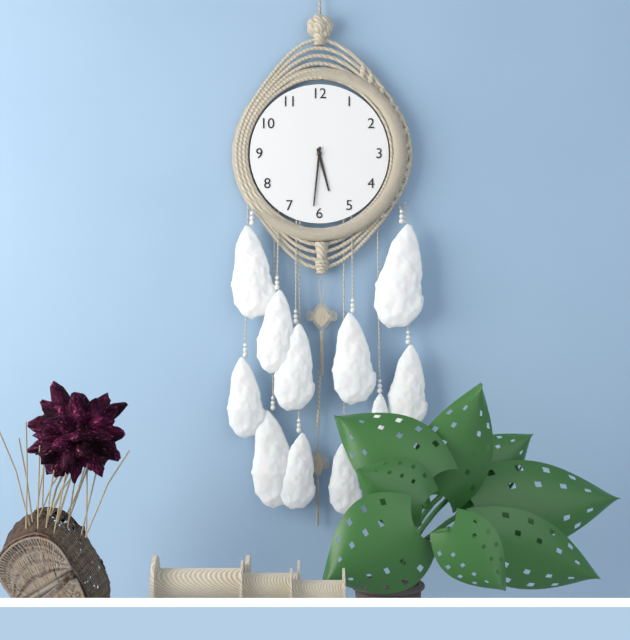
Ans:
5,31
